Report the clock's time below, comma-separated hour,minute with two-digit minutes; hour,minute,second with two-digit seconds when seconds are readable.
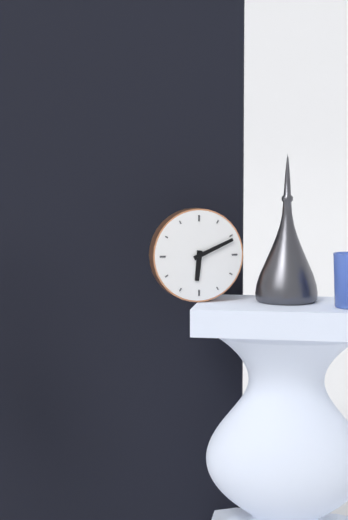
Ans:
6,11
